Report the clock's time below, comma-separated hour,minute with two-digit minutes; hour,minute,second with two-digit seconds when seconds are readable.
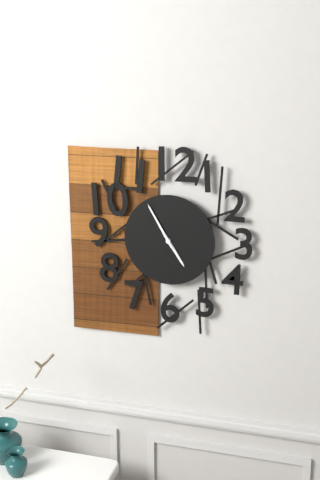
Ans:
4,55
